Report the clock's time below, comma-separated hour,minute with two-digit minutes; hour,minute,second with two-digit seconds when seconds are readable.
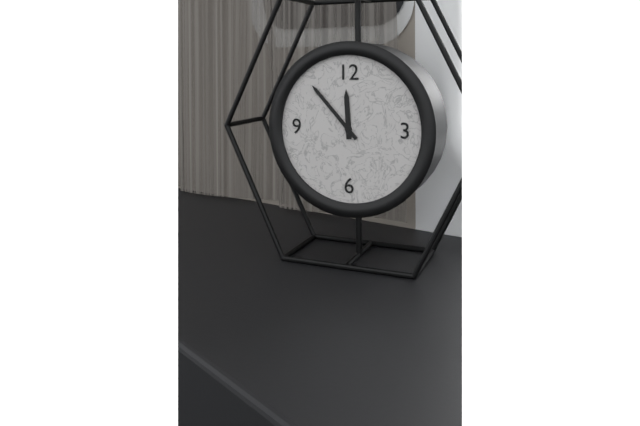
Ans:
11,53
